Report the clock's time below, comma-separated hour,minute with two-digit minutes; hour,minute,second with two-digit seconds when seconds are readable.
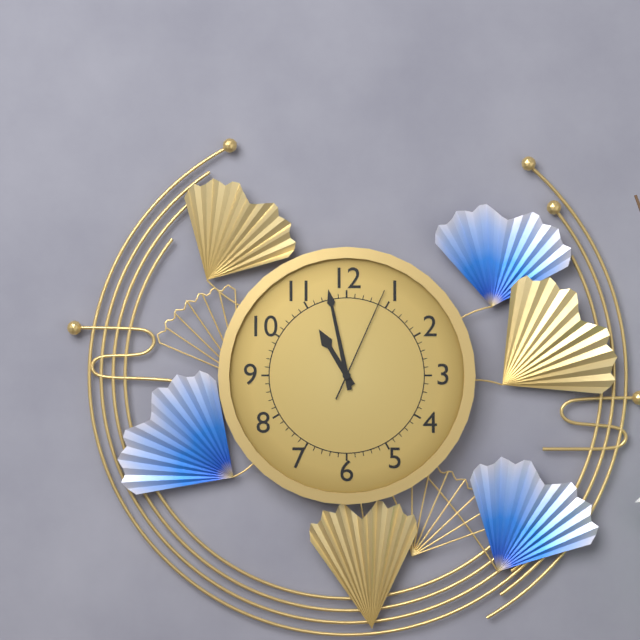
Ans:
10,58,04
